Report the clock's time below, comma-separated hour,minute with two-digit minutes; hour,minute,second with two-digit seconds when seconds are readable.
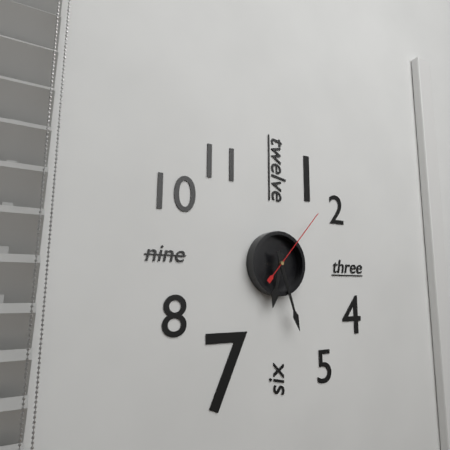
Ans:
6,27,07
